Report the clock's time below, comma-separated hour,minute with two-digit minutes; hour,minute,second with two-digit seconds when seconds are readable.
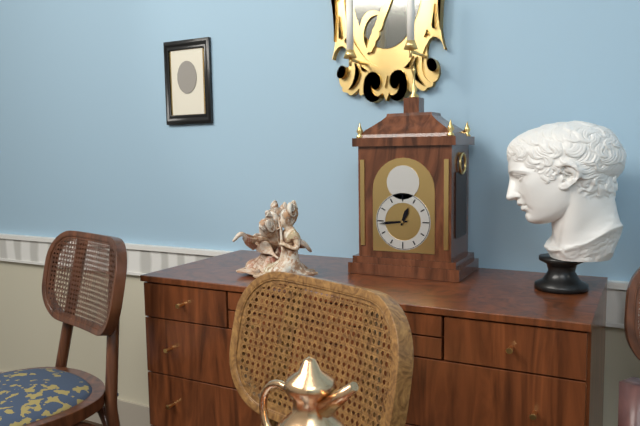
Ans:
12,44
